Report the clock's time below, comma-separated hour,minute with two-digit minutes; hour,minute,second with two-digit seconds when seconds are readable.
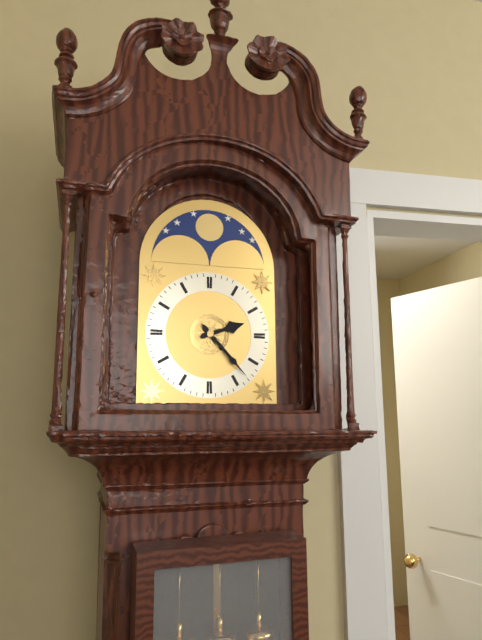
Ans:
2,23
